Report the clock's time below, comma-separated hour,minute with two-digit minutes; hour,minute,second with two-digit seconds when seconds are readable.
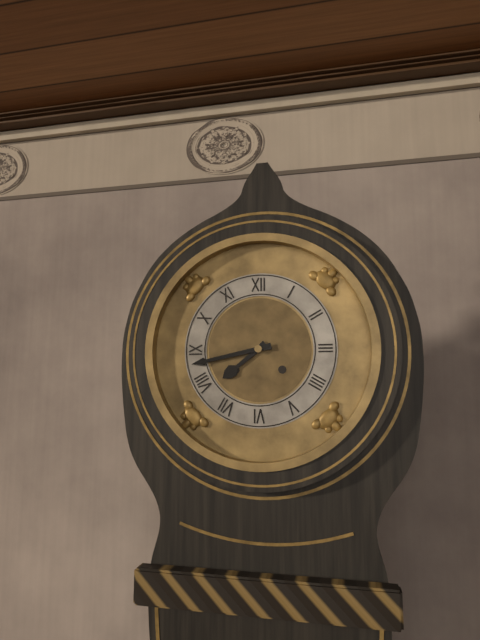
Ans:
7,43
